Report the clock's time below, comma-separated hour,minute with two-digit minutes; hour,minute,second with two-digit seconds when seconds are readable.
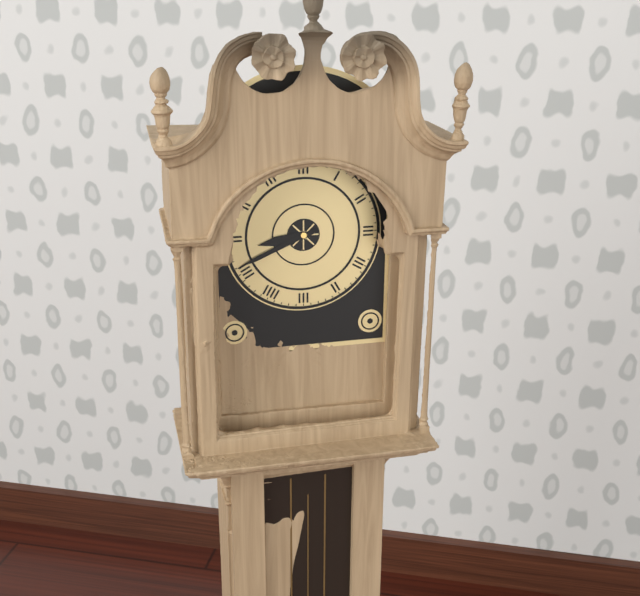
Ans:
8,41
